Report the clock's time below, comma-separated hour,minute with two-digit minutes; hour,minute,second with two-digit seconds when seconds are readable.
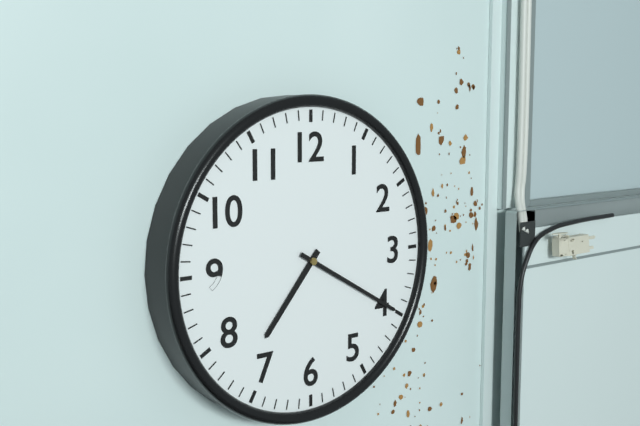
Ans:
7,20
